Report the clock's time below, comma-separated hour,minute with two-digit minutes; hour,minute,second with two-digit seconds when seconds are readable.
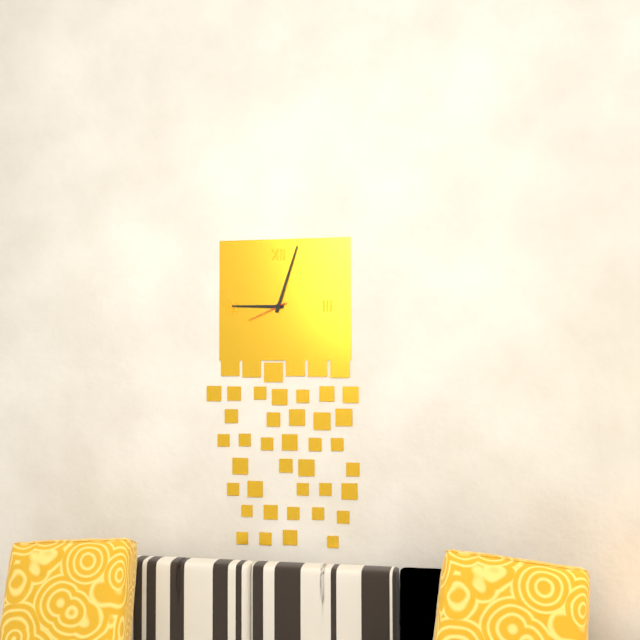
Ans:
9,03
